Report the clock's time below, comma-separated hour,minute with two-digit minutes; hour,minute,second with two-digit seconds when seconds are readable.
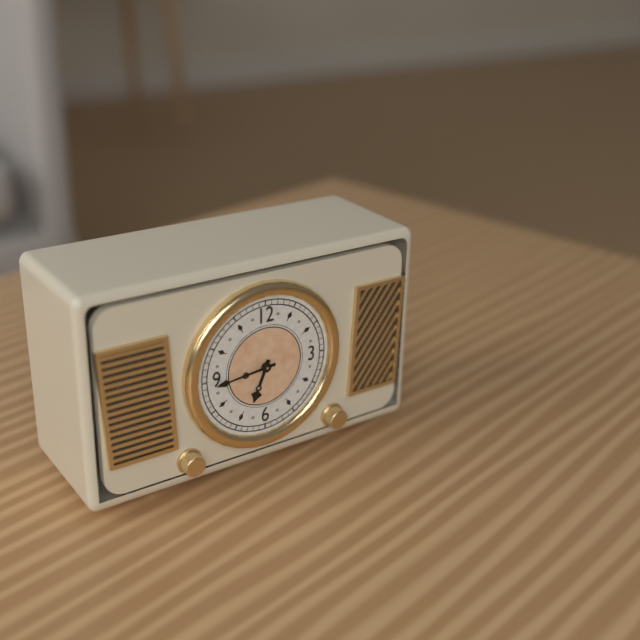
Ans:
6,44
